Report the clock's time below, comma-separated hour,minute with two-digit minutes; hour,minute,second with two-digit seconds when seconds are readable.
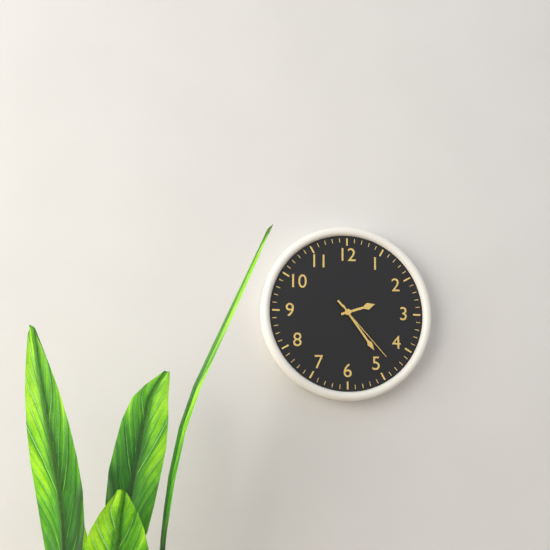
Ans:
2,24,23
